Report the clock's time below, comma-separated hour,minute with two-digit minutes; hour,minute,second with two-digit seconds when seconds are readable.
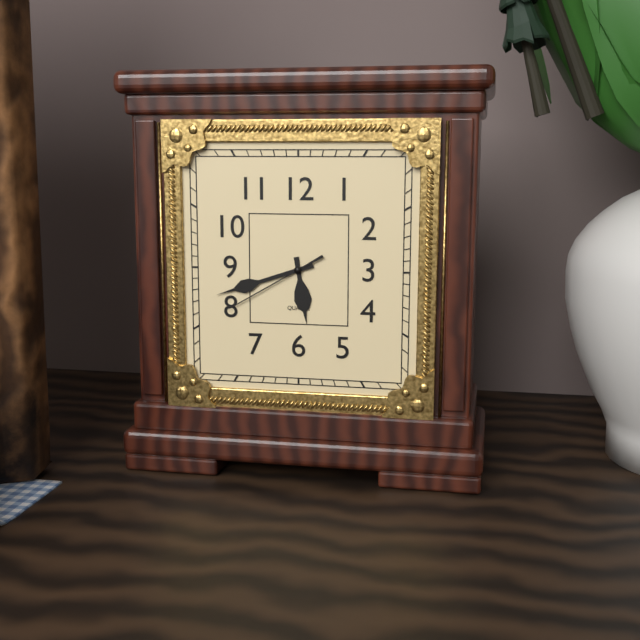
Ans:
5,42,40
